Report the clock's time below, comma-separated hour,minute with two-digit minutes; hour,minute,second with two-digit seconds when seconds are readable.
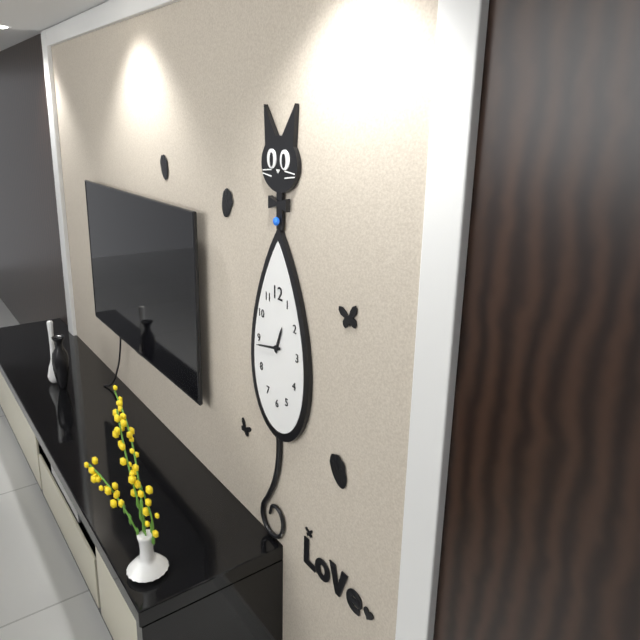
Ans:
12,43
